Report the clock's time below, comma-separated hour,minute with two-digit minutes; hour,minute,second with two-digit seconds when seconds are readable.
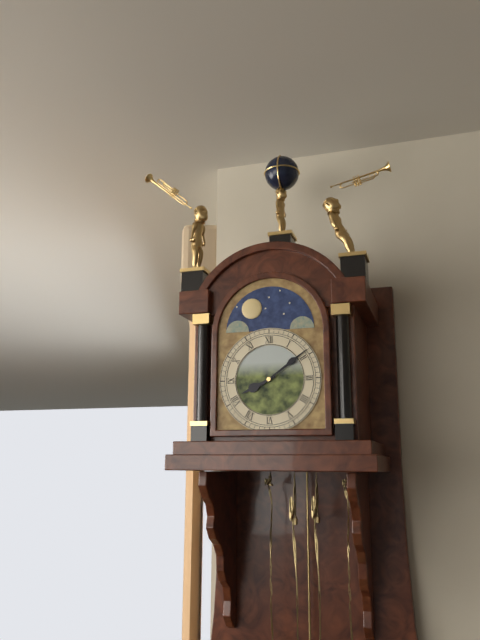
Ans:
8,09
